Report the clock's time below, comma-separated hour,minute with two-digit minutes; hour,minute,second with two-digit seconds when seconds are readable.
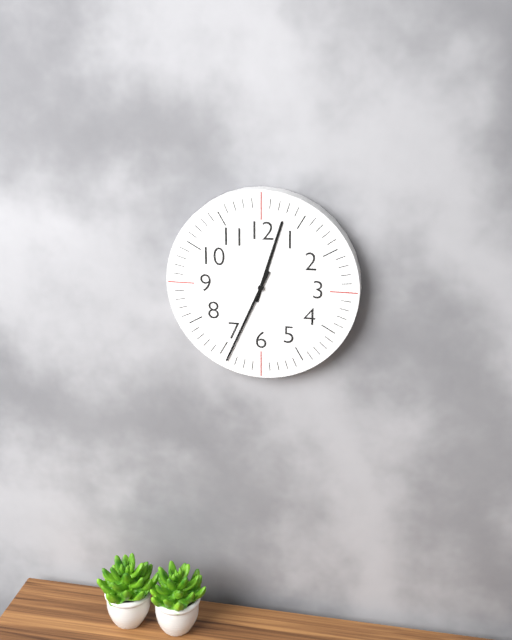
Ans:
12,34
